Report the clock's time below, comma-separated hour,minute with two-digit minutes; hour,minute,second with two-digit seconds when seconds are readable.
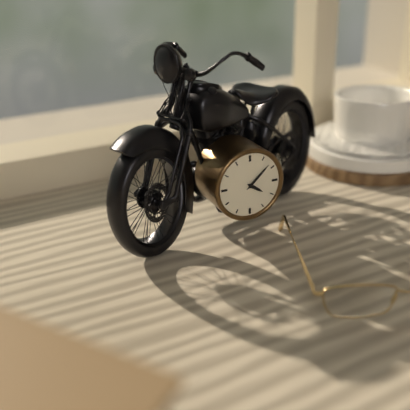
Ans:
4,08
